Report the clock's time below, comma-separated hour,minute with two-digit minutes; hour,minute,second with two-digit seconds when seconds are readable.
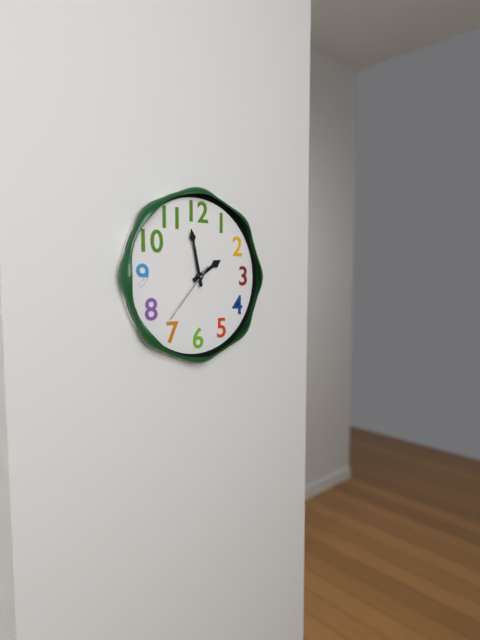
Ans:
1,58,37
